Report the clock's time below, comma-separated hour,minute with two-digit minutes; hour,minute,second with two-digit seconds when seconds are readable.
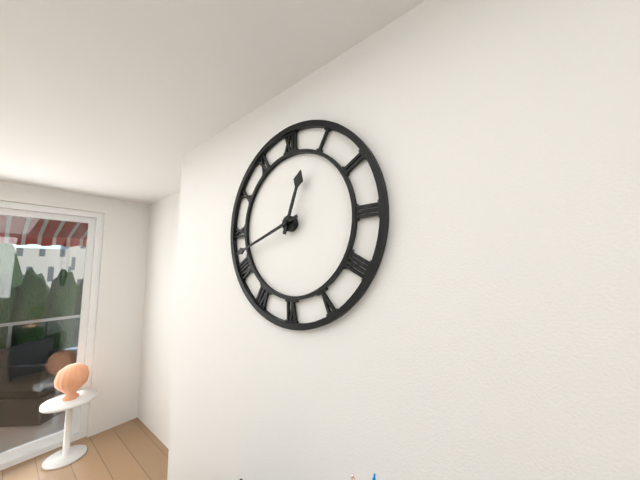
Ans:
12,42
